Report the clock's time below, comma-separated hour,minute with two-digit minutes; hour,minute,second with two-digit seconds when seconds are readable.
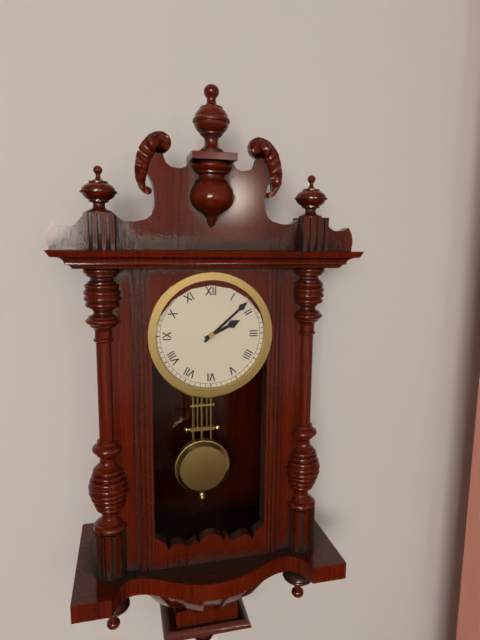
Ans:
2,08
